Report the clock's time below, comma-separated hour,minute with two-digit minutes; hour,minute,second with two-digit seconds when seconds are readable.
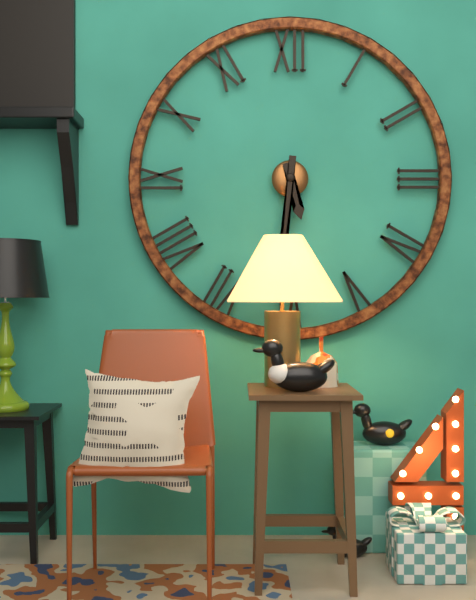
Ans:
5,31
